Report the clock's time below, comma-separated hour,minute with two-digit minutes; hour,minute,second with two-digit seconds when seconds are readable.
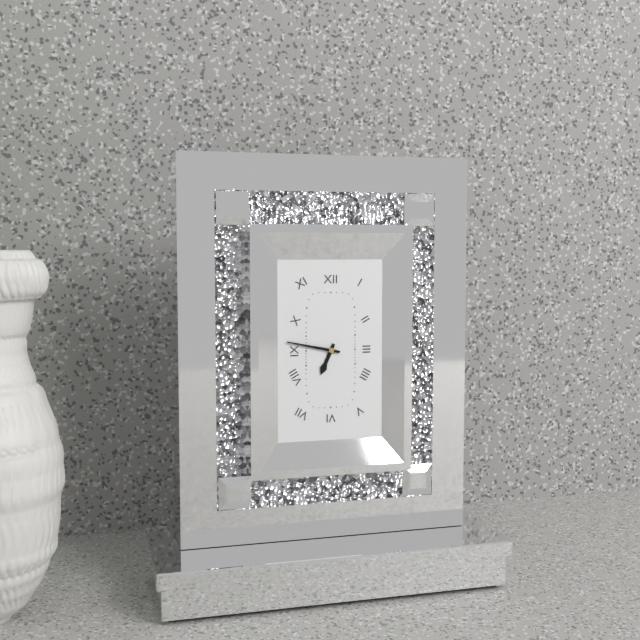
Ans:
6,47
